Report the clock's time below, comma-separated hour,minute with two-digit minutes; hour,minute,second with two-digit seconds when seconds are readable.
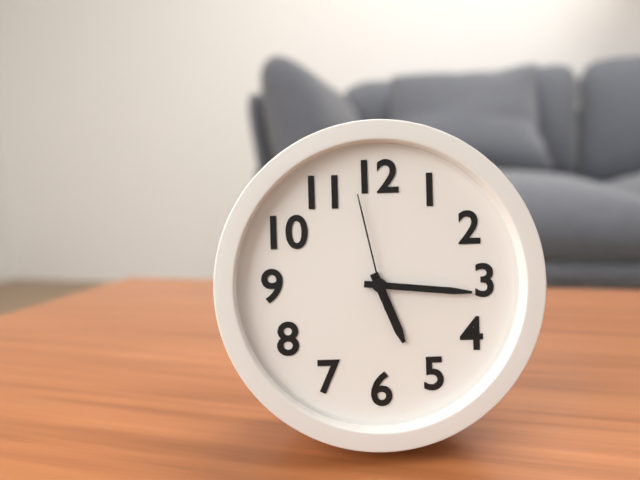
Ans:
5,16,58
